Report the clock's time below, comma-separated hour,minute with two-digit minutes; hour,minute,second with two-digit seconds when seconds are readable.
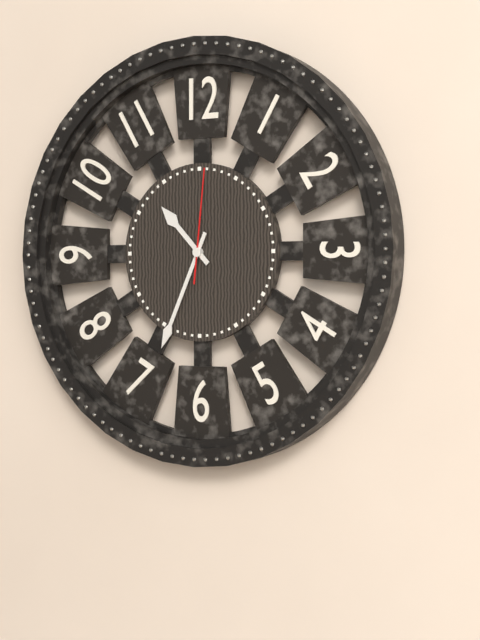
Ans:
10,34,01
